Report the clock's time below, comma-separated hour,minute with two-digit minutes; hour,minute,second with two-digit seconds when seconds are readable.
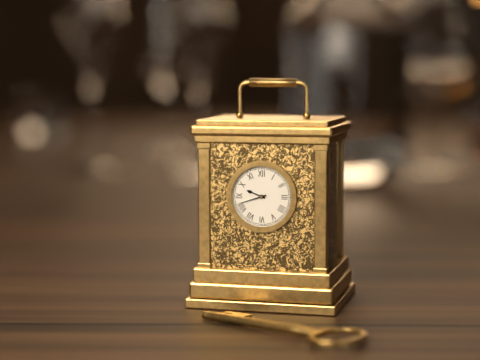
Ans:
9,42
